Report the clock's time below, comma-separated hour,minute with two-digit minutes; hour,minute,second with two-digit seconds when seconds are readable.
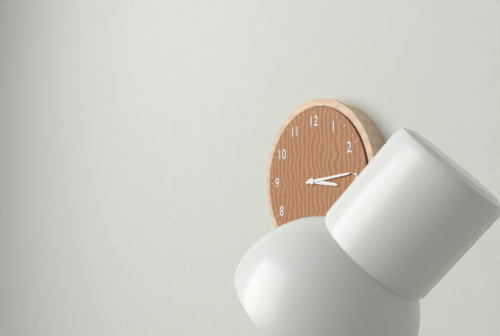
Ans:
3,14
